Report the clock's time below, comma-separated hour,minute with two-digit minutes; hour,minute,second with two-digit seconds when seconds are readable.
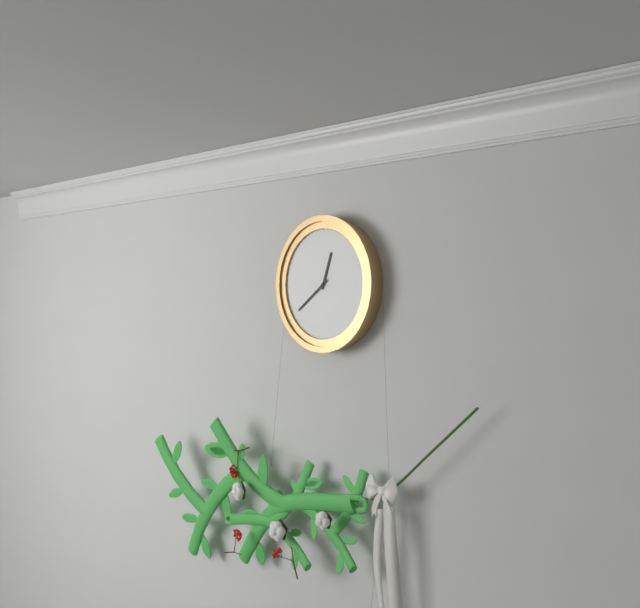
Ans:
12,39
